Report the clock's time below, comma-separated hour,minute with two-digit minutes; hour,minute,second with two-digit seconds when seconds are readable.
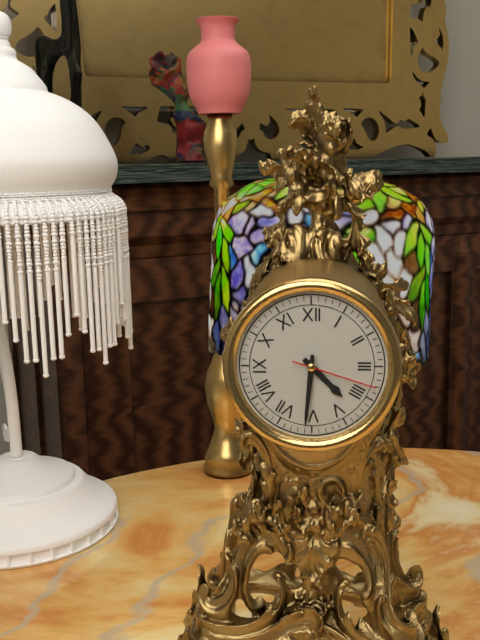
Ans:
4,31,18
